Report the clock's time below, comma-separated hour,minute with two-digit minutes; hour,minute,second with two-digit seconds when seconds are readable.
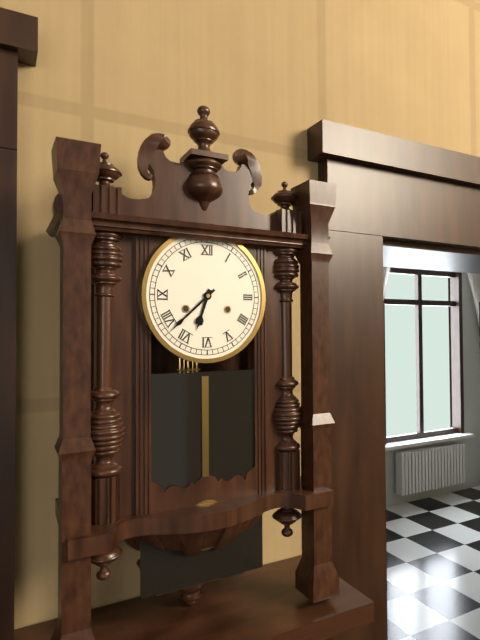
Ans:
6,38
